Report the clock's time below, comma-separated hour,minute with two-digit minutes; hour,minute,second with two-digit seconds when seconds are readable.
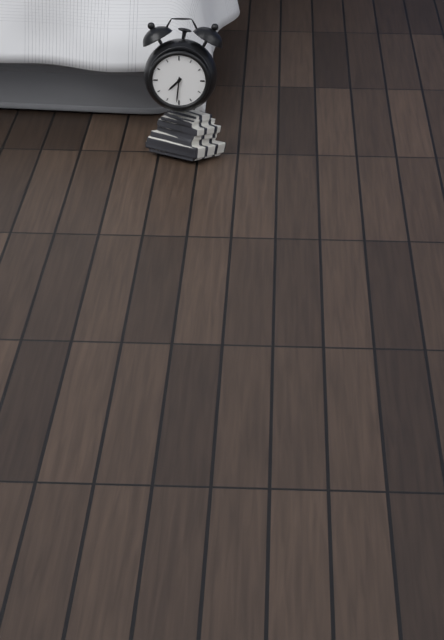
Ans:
7,31
